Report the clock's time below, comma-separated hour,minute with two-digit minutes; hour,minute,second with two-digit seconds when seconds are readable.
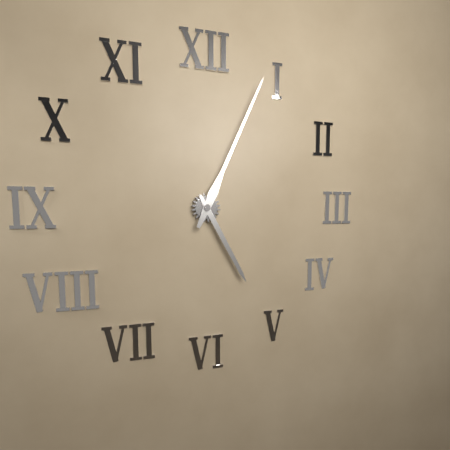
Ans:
5,04
